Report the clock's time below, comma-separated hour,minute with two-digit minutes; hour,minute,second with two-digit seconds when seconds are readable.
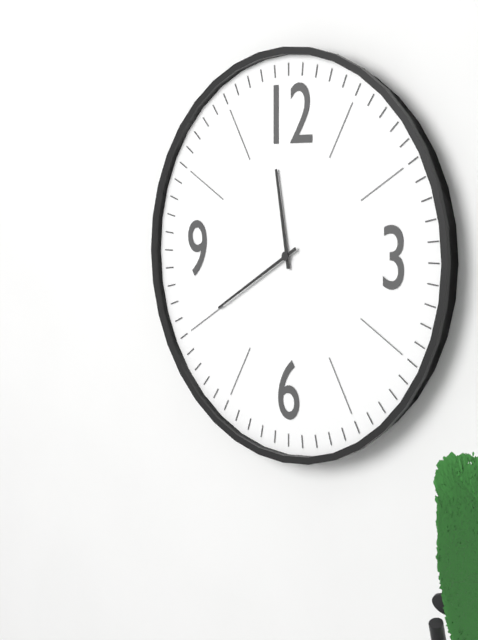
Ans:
11,40
